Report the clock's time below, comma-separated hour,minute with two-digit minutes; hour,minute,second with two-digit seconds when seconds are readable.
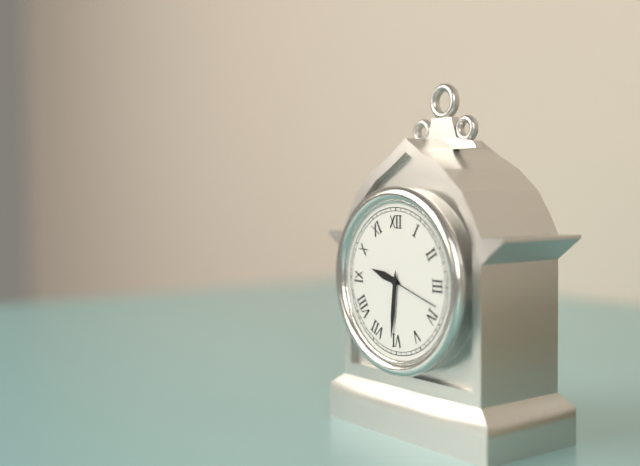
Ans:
9,31,18
